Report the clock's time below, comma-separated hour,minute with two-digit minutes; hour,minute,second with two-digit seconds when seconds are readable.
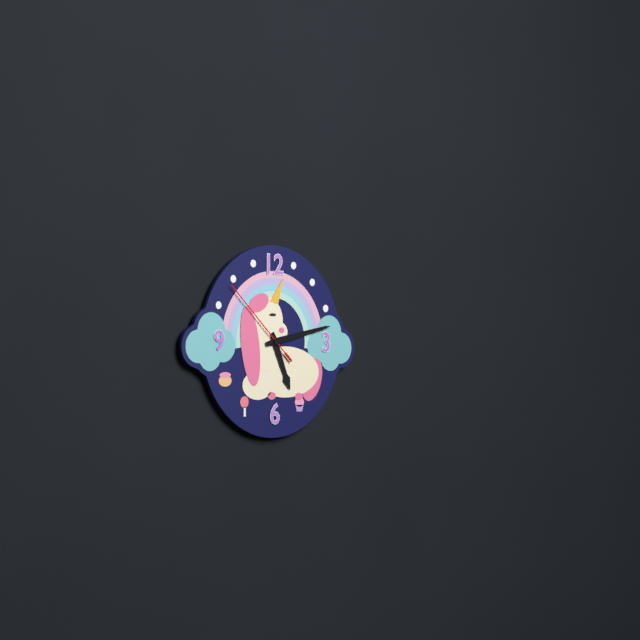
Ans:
5,13,52
